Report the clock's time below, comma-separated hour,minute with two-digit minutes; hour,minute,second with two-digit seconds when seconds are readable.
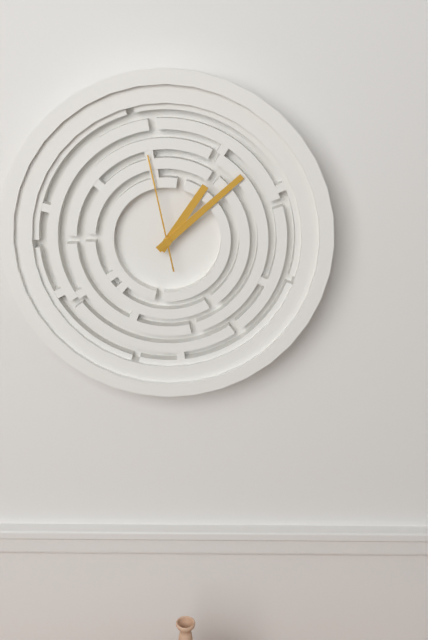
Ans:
1,08,58
